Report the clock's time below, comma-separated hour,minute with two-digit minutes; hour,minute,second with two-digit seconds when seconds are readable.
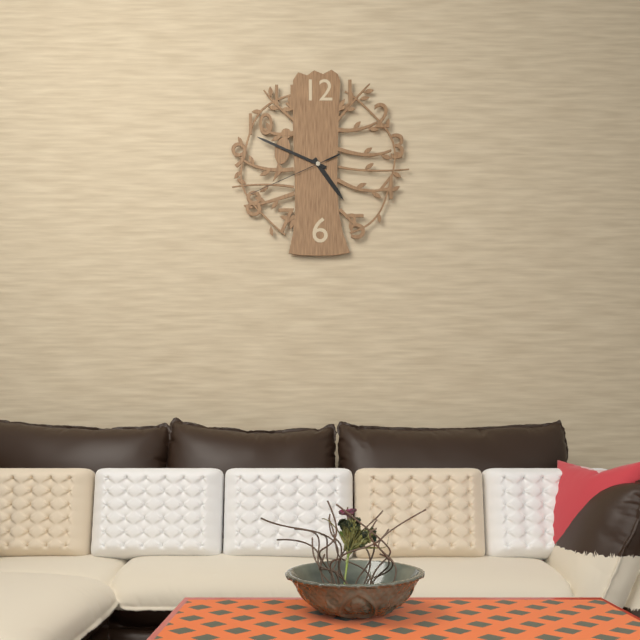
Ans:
4,49,41
